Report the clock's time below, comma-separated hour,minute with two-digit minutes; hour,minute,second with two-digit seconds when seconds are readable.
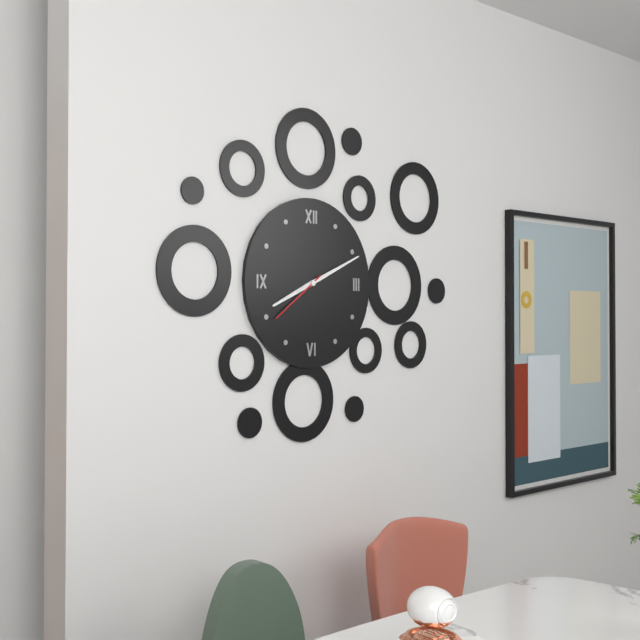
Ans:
8,11,39
